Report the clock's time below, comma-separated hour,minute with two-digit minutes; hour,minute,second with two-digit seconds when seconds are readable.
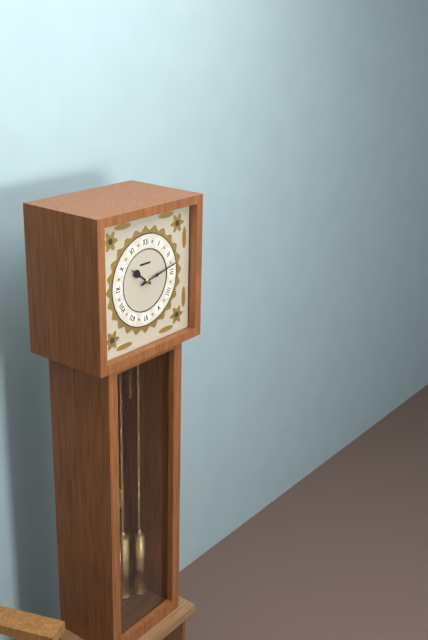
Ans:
10,13
